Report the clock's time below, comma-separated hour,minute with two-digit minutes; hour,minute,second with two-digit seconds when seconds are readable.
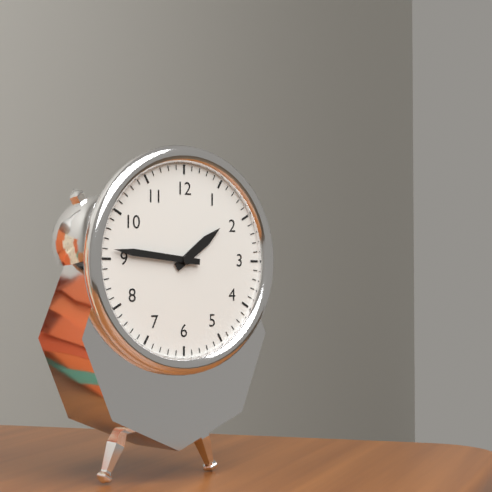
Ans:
1,46
